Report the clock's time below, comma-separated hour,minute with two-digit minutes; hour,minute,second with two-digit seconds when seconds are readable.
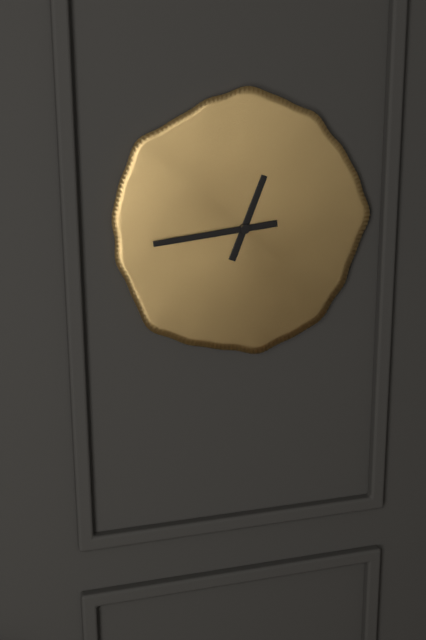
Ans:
12,44
